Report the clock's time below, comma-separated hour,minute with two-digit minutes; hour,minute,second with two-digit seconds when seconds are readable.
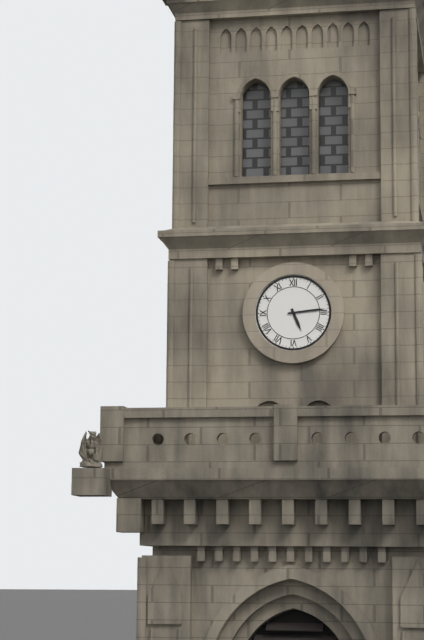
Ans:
5,14
